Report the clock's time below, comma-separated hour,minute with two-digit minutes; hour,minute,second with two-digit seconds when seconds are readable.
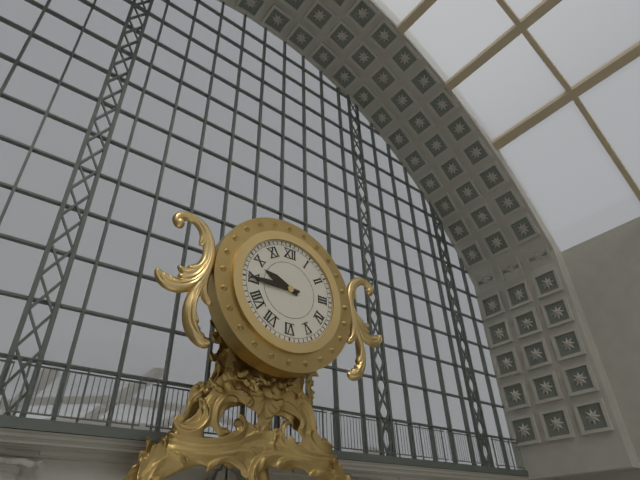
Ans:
9,45
